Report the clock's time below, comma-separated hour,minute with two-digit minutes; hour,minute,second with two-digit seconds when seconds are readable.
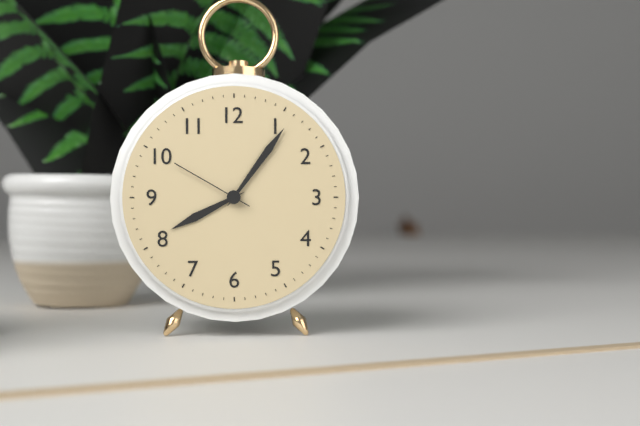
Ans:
8,06,50
